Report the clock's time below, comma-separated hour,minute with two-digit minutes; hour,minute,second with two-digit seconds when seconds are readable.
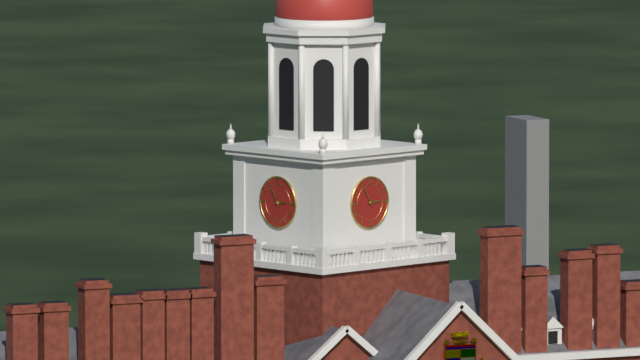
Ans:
2,55
